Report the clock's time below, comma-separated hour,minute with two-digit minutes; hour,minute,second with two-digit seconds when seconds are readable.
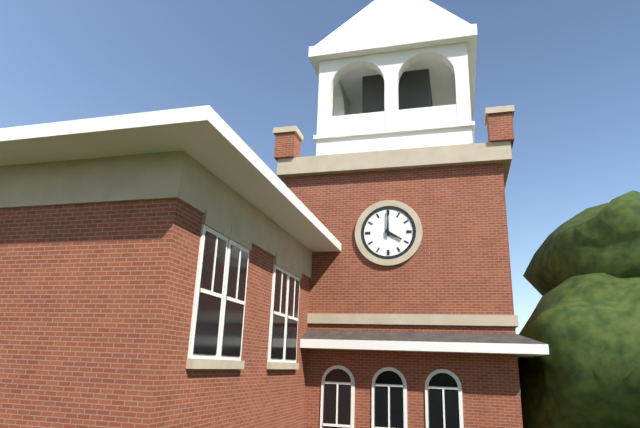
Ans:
4,00
